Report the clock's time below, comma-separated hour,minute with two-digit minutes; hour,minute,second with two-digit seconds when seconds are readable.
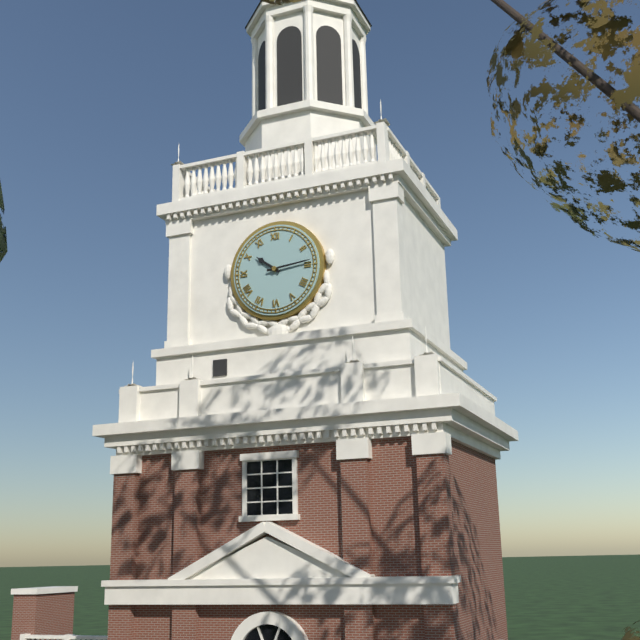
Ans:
10,14
